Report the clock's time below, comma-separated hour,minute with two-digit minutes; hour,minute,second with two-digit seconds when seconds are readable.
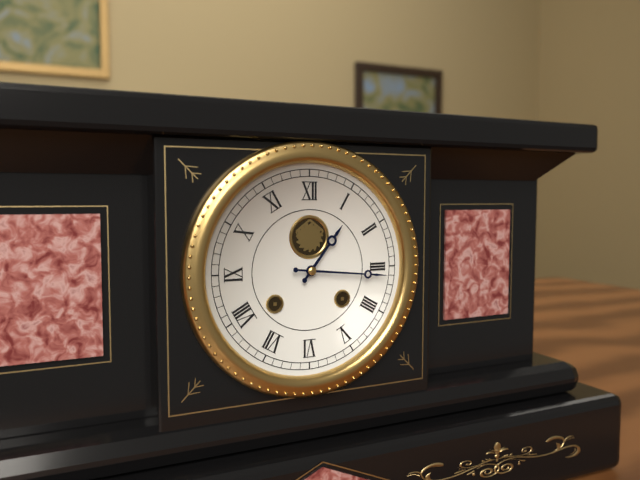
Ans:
1,16
